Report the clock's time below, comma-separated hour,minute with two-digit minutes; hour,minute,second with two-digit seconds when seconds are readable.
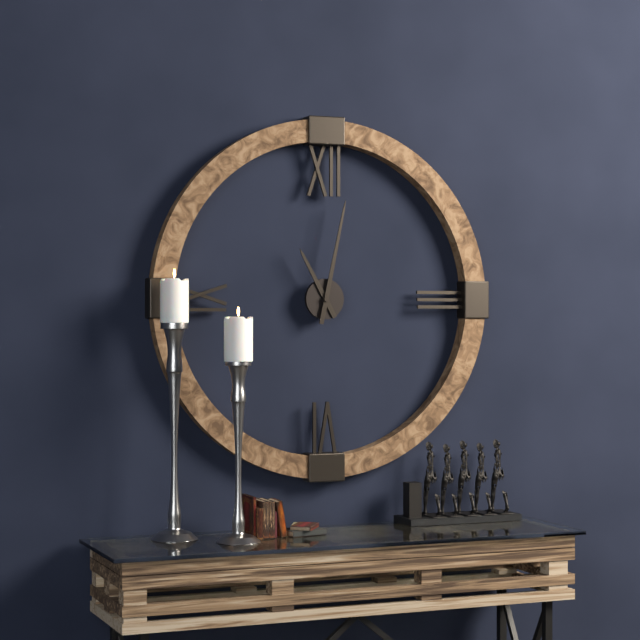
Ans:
11,02
